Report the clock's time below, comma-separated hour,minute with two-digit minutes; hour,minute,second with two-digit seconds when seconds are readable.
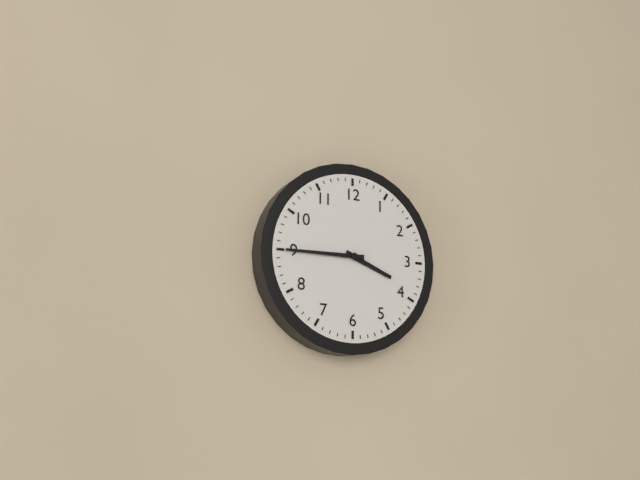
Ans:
3,45
